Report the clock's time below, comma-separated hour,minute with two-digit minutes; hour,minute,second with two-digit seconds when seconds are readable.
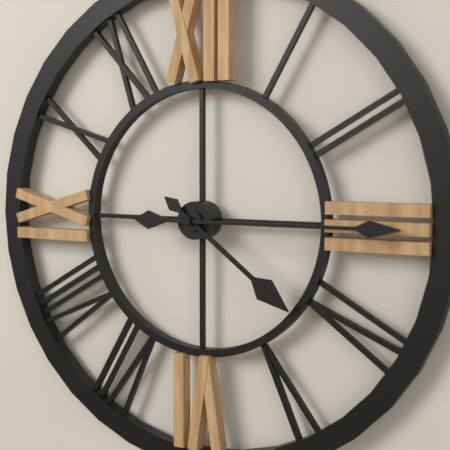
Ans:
4,15
